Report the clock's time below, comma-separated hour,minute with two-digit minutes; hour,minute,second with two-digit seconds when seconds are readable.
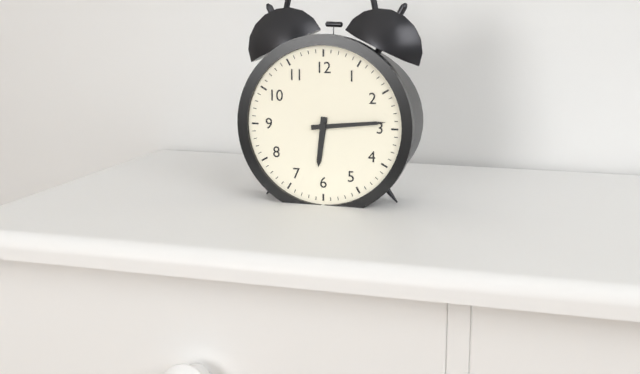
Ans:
6,14
